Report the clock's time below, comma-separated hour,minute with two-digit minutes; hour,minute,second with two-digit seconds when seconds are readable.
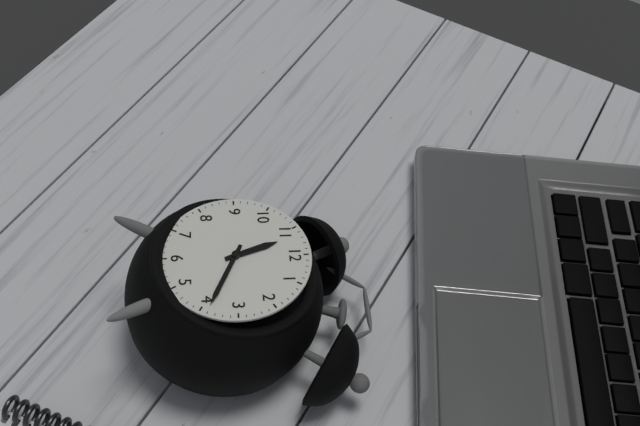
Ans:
11,19
